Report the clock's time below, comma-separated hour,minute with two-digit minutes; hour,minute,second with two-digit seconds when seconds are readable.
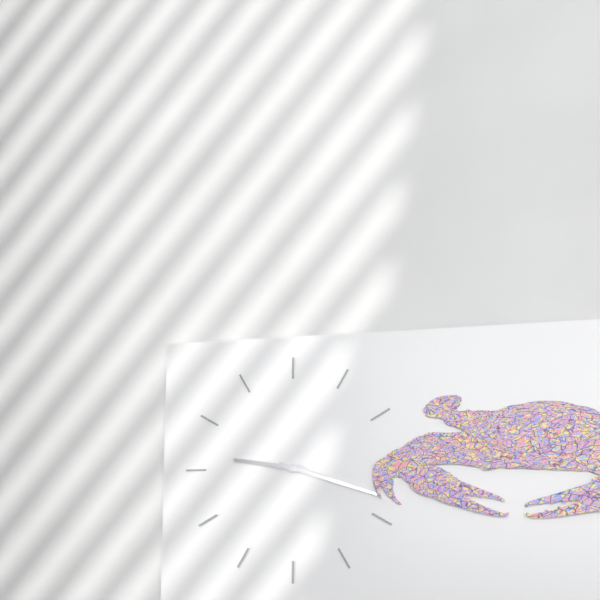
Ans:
9,18
